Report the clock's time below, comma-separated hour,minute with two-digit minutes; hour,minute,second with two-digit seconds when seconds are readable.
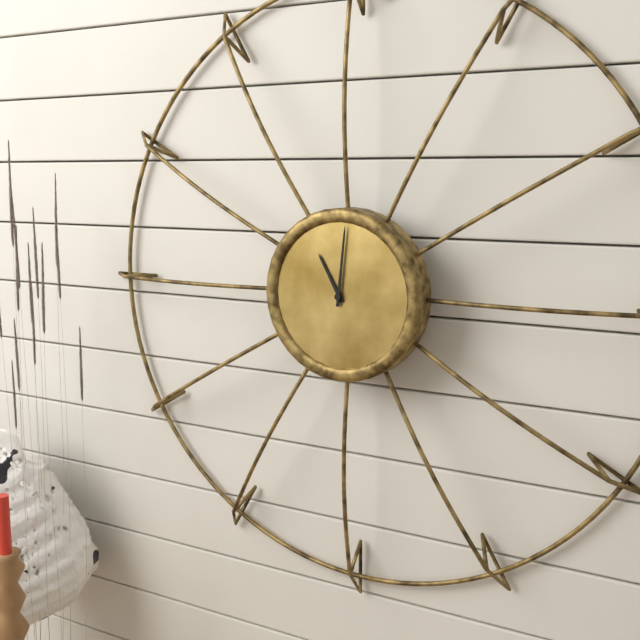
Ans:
11,01
